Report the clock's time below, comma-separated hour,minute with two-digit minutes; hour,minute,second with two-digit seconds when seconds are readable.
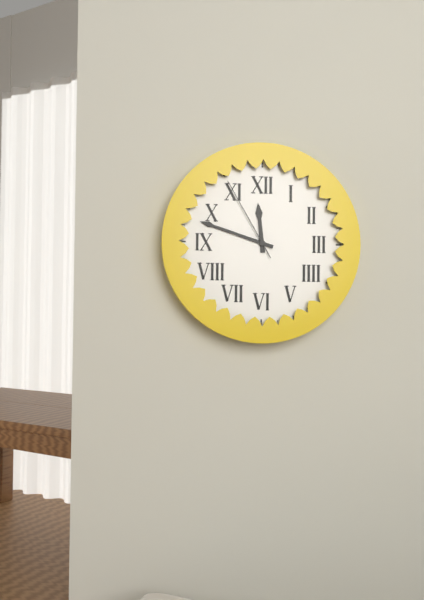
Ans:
11,48,55
